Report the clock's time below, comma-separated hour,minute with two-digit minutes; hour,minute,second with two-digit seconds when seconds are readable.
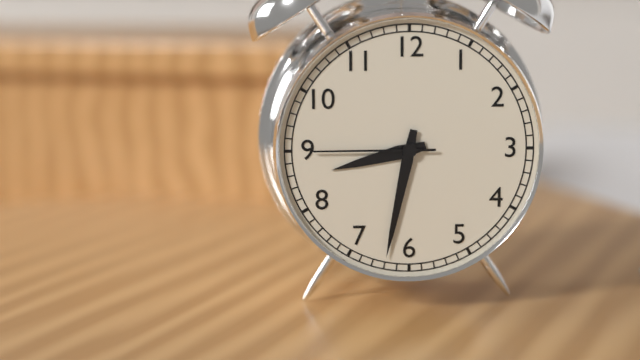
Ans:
8,32,45
